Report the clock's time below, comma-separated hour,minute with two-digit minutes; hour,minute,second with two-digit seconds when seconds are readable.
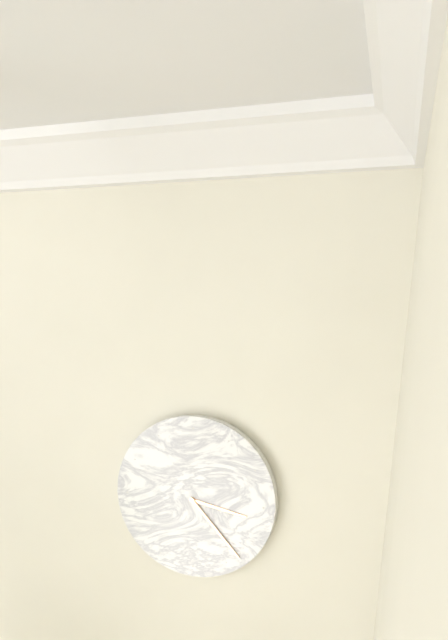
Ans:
3,23
